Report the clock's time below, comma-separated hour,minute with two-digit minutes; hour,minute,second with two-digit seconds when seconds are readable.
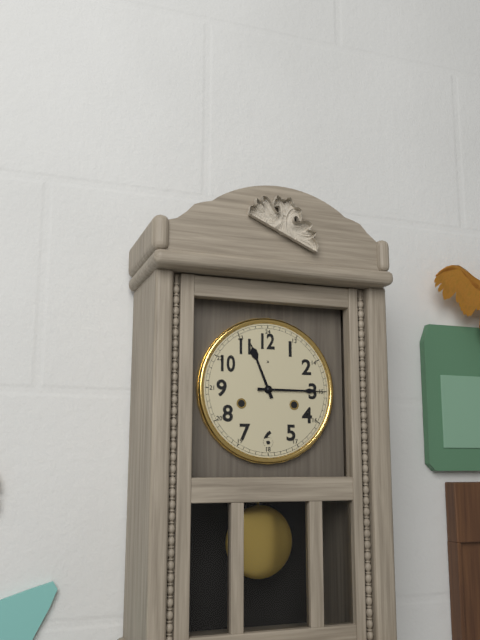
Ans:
11,15
